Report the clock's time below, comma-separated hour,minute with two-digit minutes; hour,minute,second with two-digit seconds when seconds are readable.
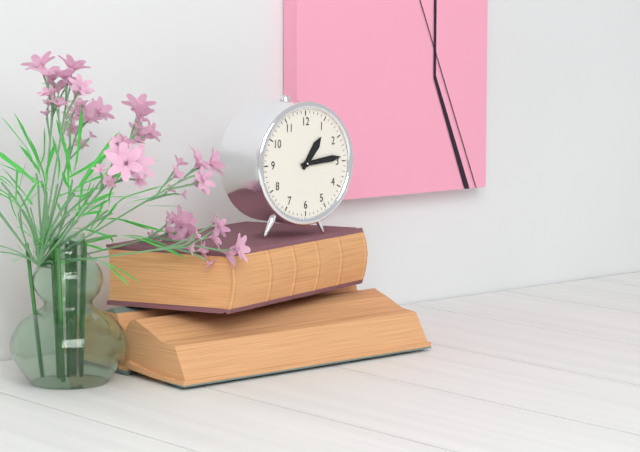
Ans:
1,14
